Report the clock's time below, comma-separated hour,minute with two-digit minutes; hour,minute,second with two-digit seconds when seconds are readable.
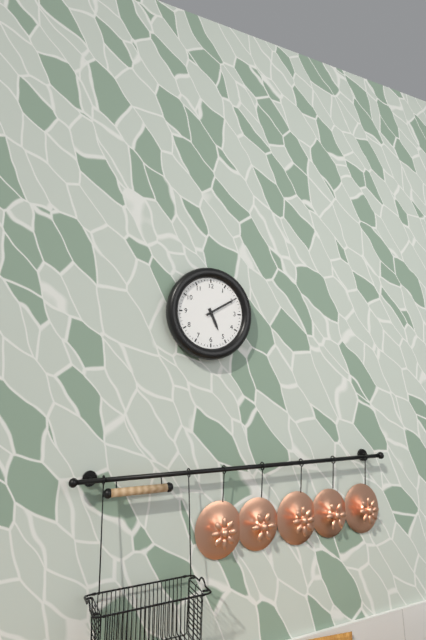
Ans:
5,10
